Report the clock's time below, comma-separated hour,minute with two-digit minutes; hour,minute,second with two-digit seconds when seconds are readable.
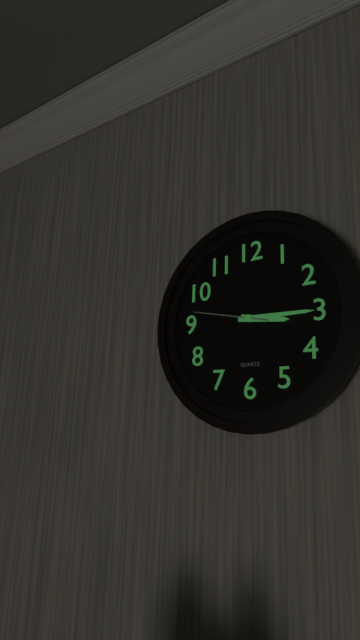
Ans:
3,15,47
